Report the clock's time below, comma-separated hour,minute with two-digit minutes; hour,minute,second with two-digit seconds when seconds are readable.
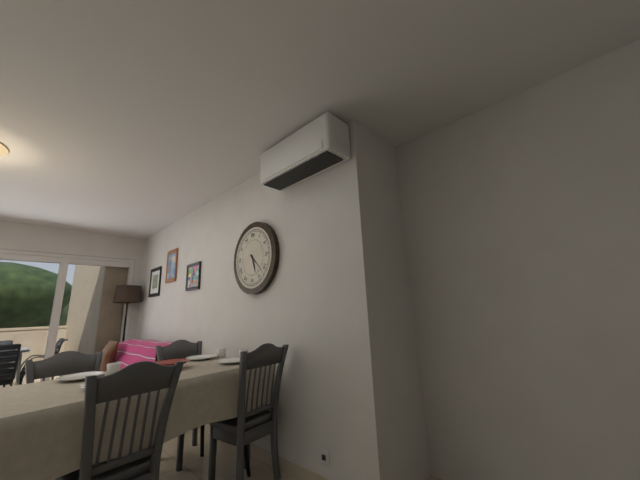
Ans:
5,22
